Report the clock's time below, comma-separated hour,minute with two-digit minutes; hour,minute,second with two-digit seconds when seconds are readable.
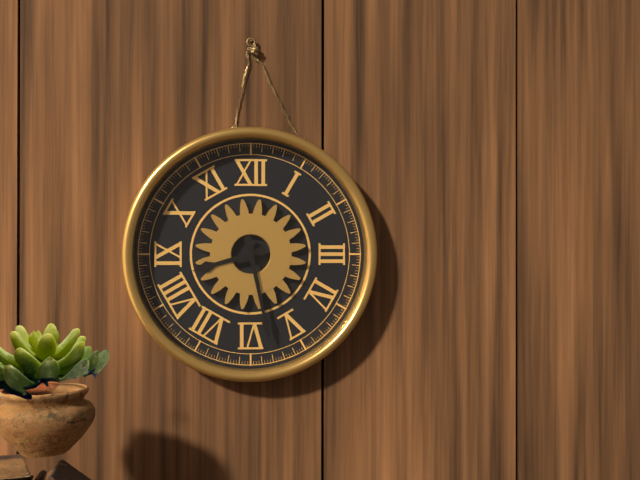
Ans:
8,28
